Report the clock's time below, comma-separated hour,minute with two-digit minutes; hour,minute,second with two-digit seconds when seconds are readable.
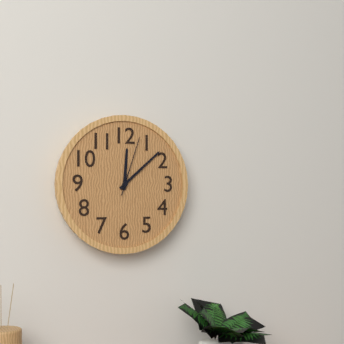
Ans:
12,08,03
